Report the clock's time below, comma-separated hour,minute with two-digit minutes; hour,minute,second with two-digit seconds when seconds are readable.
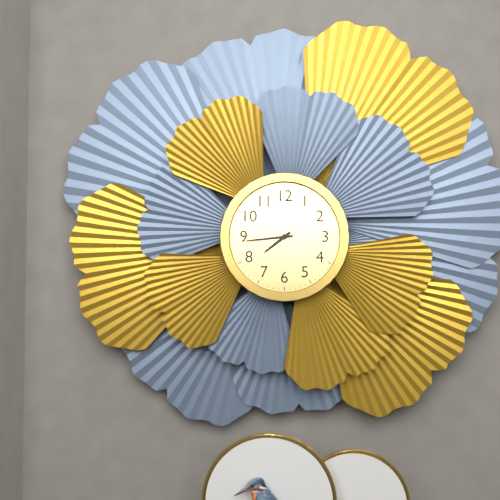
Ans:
7,44
